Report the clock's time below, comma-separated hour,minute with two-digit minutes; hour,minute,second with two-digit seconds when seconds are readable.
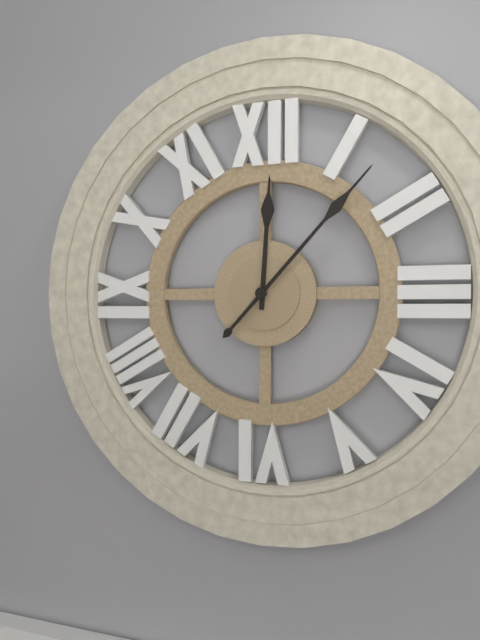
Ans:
12,07
